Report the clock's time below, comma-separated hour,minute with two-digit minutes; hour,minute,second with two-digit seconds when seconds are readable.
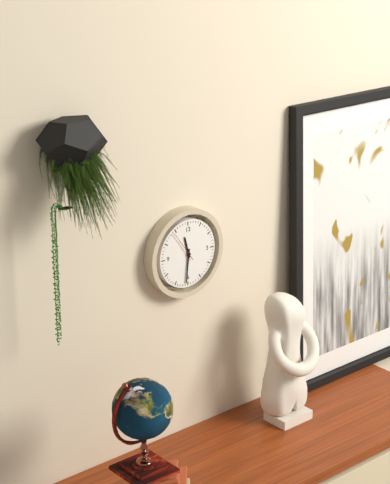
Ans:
11,31
